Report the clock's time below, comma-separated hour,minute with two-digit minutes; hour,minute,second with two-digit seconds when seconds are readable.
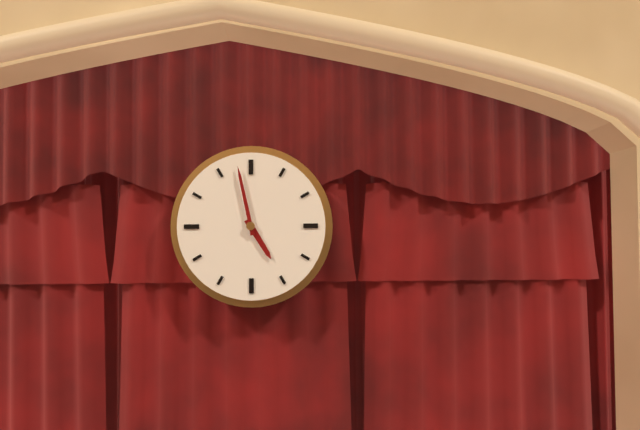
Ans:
4,58
